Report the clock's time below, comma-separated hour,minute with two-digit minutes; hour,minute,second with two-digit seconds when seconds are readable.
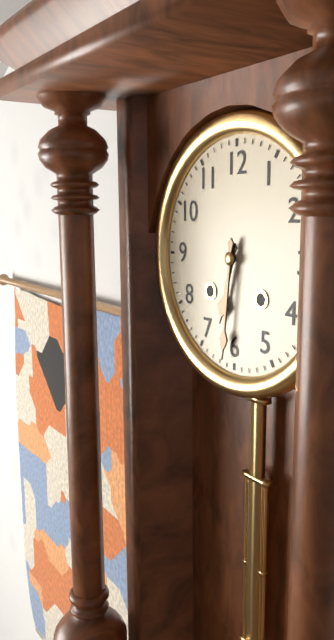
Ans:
6,31
